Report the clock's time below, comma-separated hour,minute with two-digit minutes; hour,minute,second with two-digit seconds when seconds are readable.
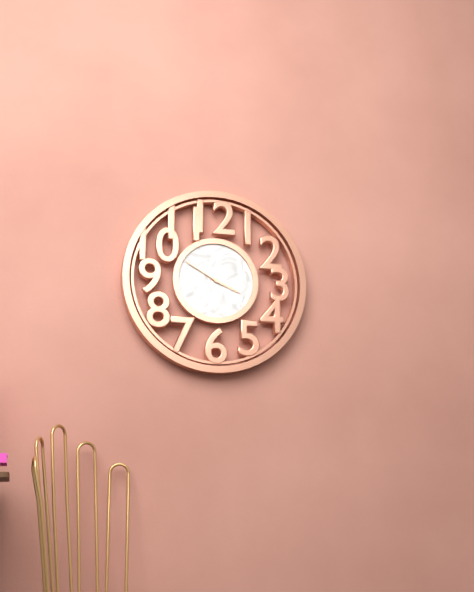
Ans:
3,50
